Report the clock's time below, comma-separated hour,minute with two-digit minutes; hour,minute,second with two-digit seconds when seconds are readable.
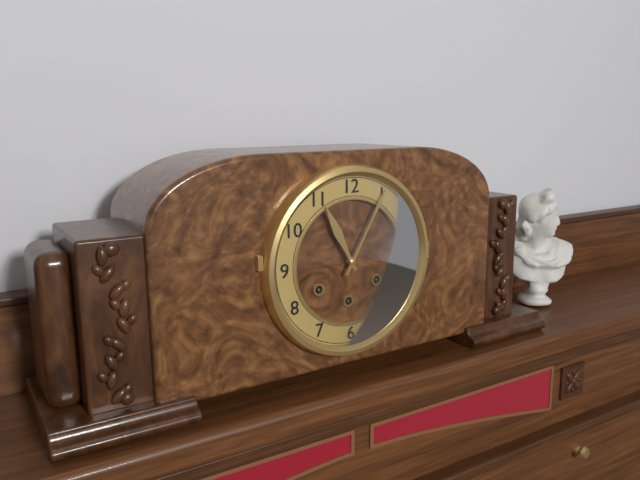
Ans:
11,05
